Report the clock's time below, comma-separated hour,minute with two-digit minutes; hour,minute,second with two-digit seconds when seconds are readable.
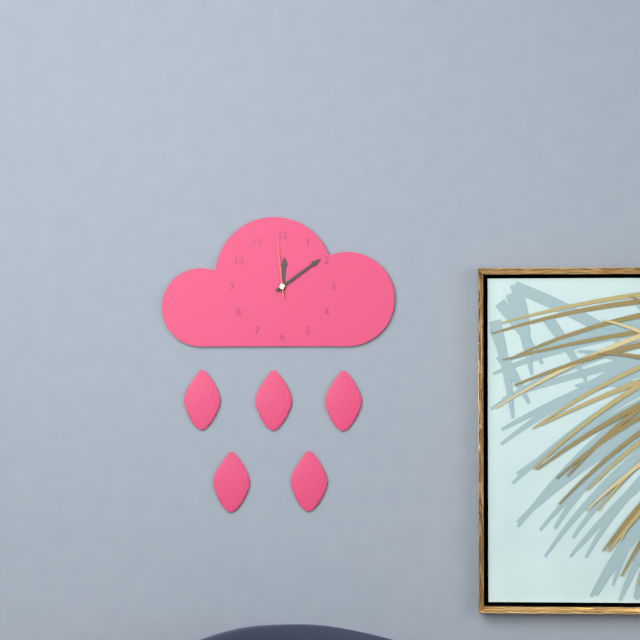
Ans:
12,09,59
